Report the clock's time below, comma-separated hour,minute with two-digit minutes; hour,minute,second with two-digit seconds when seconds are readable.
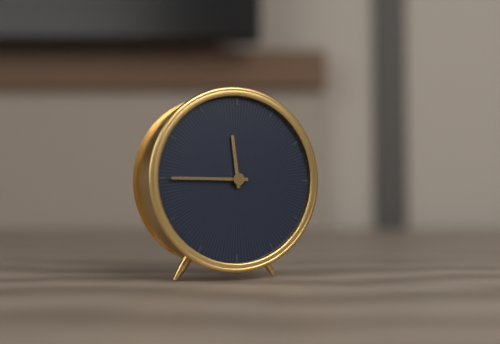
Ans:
11,45
